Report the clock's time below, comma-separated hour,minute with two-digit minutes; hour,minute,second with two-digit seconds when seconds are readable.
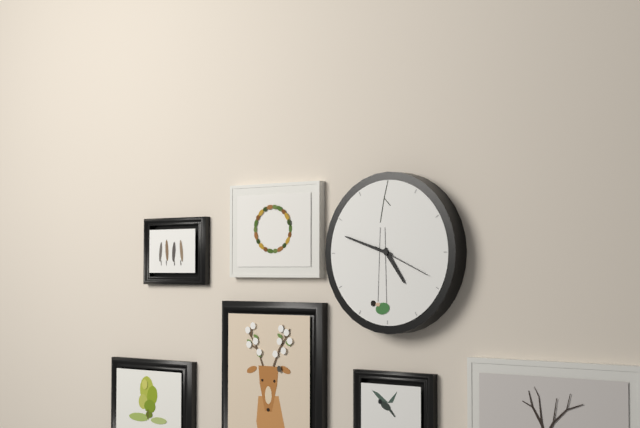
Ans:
4,48,19
